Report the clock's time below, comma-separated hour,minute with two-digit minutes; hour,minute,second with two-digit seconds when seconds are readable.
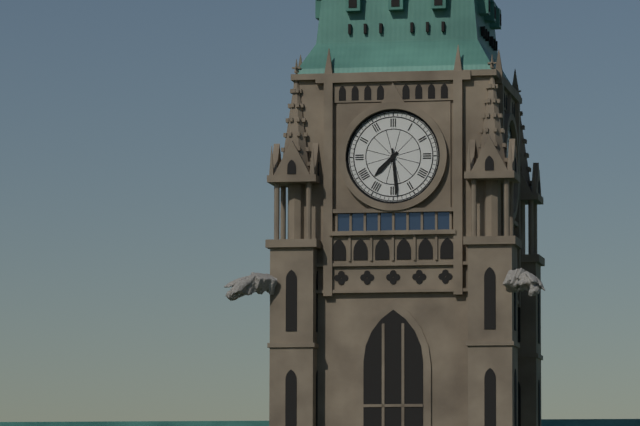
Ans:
7,29
